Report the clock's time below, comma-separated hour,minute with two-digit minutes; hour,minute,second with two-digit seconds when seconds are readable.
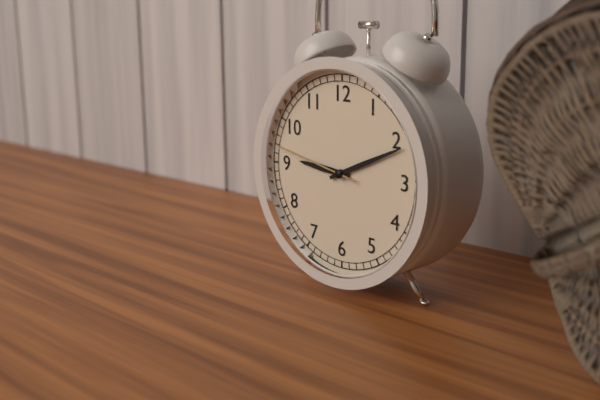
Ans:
9,11,47
